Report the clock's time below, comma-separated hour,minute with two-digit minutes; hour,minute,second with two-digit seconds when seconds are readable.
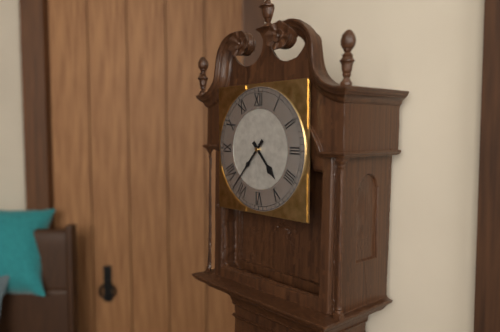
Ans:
4,37
